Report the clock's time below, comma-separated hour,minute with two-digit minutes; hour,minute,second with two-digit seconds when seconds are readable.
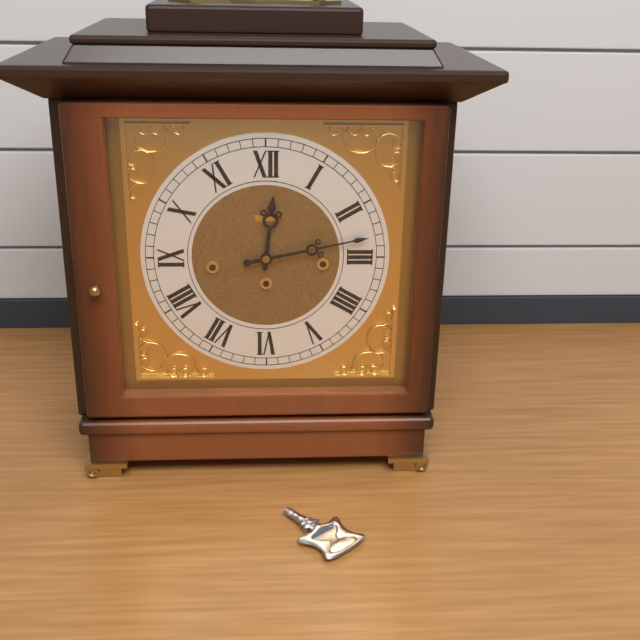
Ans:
12,13
